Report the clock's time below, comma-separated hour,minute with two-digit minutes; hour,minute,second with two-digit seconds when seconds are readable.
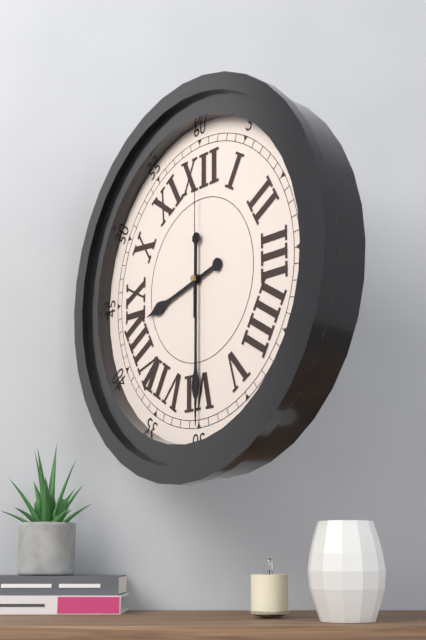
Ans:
8,30,00
